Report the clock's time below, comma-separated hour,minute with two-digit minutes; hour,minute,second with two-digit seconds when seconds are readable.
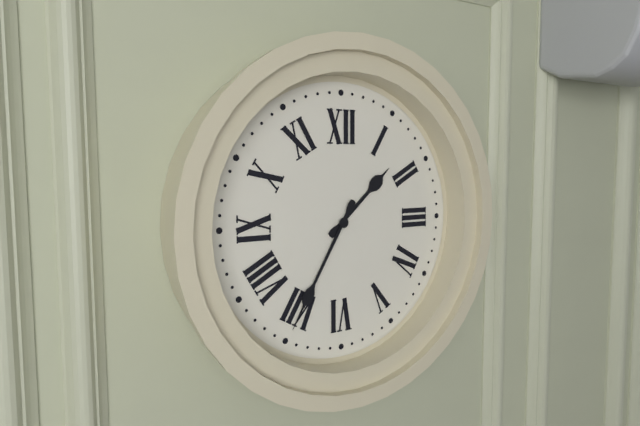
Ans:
1,35
